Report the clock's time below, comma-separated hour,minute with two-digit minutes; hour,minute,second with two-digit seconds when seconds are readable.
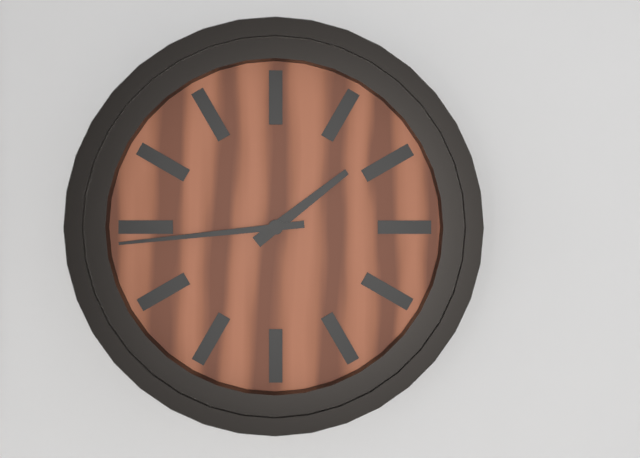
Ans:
1,44
